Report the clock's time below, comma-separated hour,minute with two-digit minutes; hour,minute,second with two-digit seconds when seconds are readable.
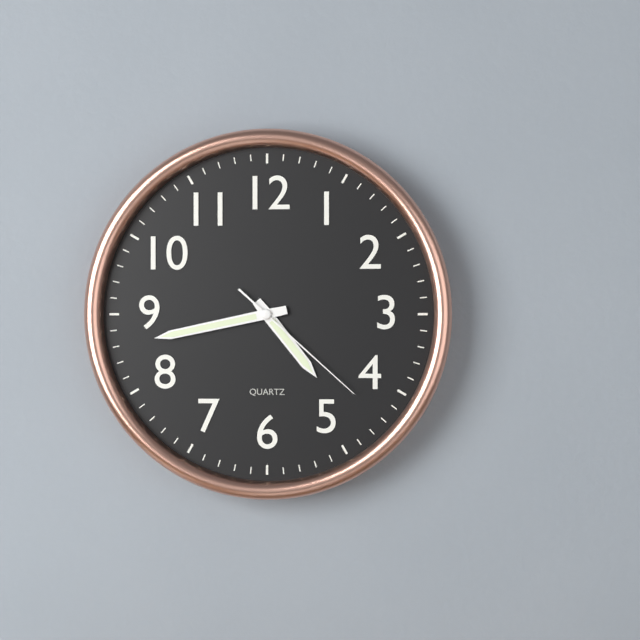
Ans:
4,43,22
